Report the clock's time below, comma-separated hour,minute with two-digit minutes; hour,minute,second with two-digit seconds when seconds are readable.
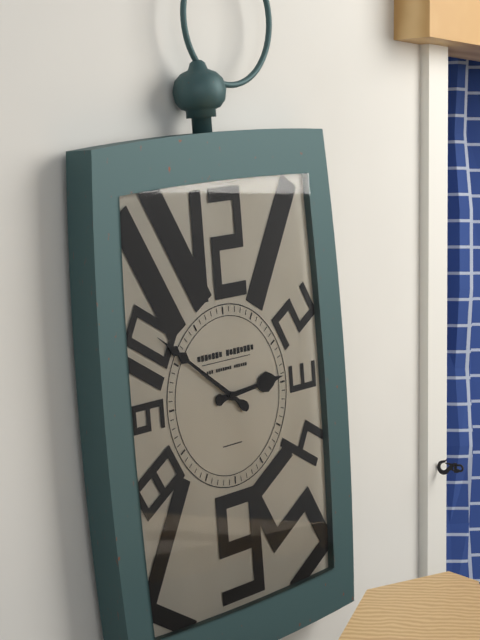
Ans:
2,51
